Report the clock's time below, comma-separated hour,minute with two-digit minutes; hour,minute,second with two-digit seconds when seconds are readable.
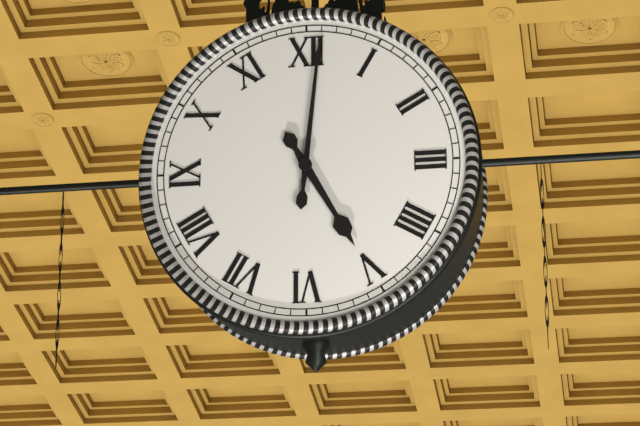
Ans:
5,01
